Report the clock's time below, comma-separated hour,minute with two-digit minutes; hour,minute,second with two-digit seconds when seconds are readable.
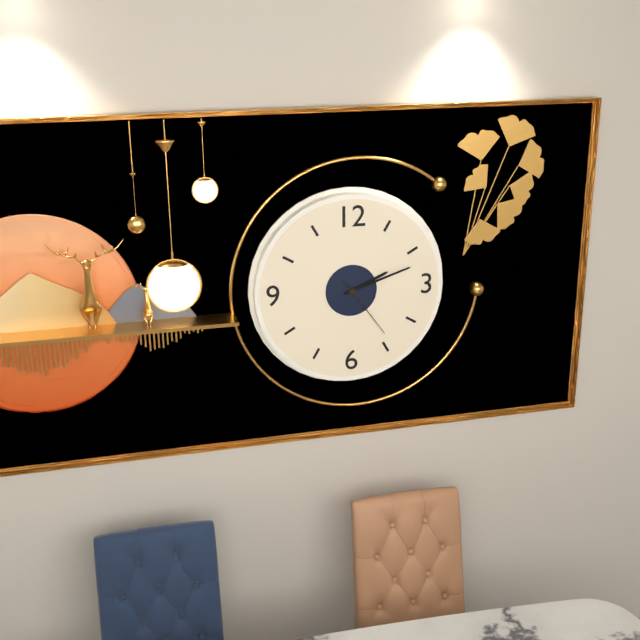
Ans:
2,12,24
